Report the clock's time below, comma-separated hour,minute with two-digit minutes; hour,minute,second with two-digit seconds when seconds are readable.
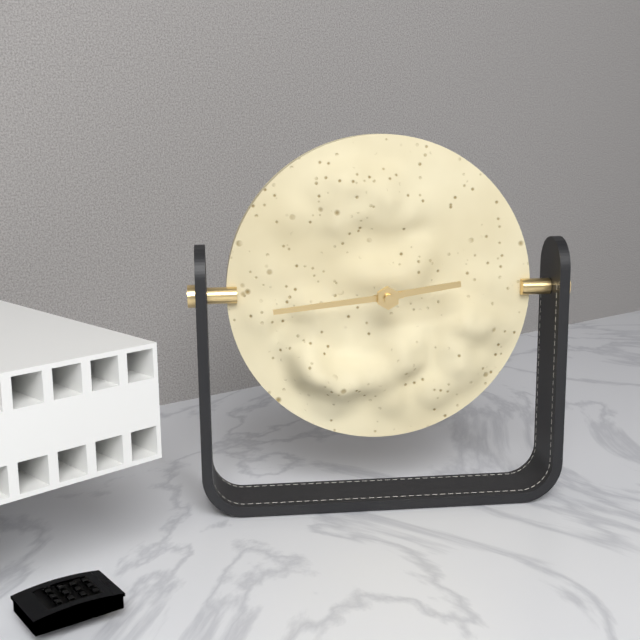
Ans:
2,44
